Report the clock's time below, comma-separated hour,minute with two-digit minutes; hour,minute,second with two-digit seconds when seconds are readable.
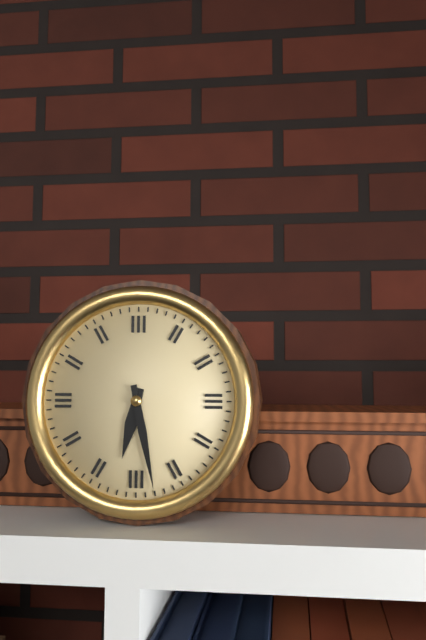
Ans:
6,28
